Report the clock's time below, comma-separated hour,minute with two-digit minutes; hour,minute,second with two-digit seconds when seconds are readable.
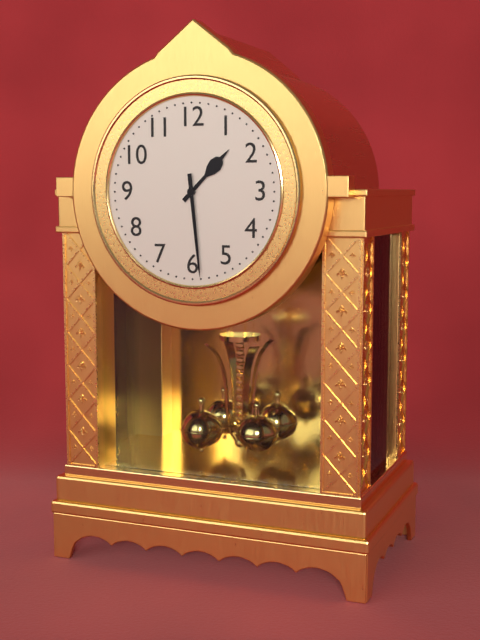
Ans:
1,29
